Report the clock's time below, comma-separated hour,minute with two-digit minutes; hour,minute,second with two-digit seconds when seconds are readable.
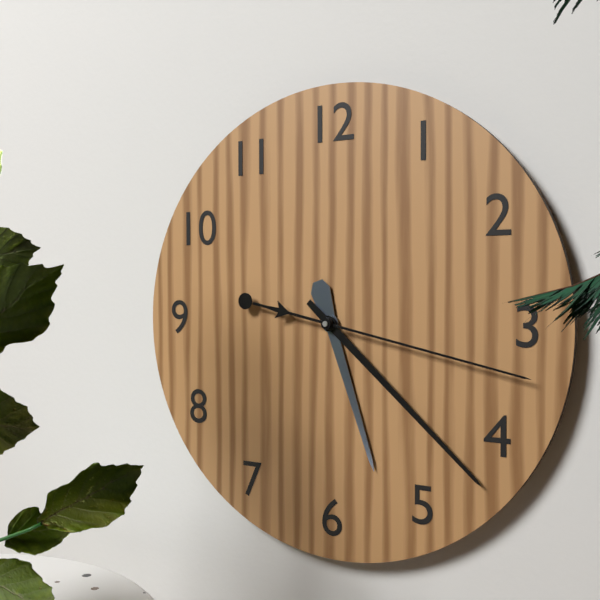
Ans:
5,22,17
